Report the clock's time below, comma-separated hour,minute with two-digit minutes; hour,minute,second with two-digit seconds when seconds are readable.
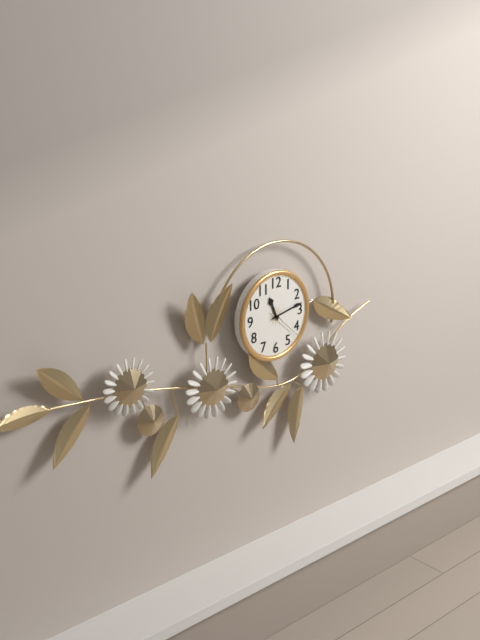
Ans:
11,13
